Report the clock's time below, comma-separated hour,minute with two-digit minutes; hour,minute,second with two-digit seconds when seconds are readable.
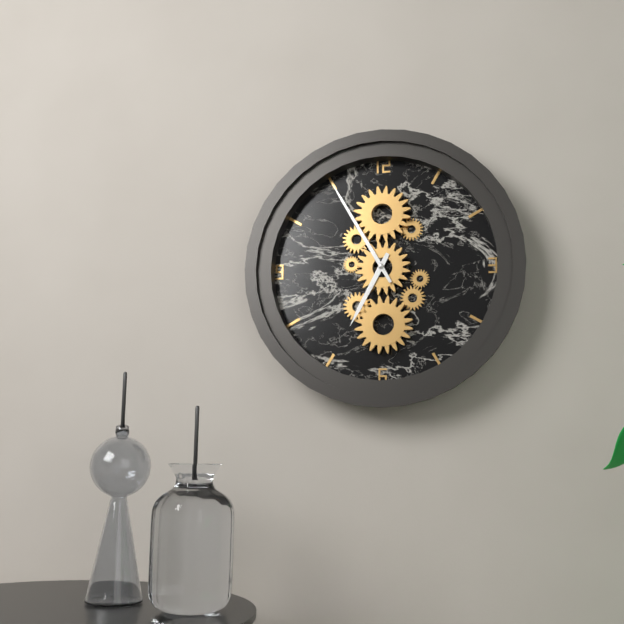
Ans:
6,55
